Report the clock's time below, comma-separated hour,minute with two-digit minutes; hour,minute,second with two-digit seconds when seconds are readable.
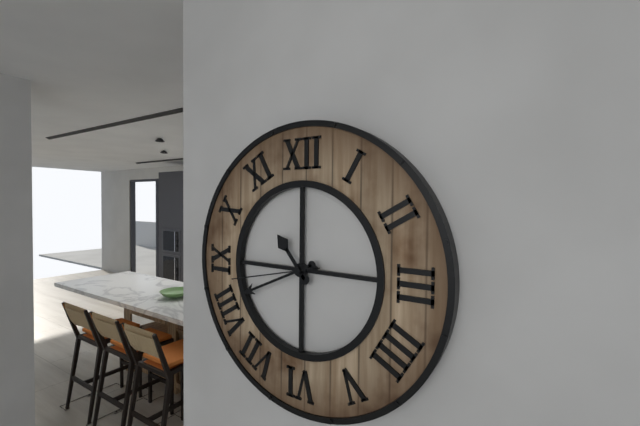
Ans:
10,41,43
